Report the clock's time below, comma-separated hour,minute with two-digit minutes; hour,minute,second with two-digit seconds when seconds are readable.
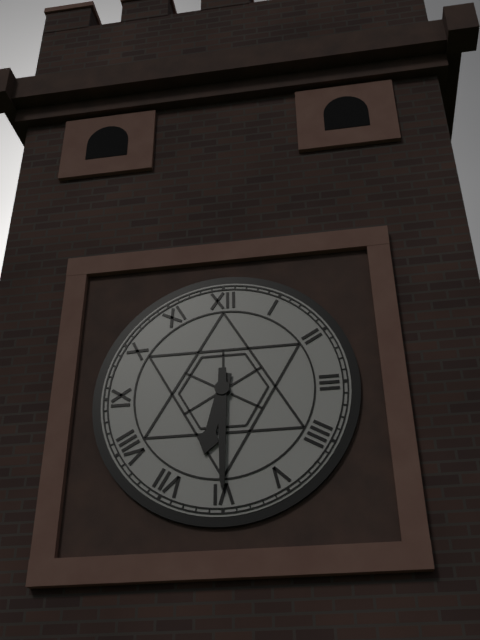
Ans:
6,30
